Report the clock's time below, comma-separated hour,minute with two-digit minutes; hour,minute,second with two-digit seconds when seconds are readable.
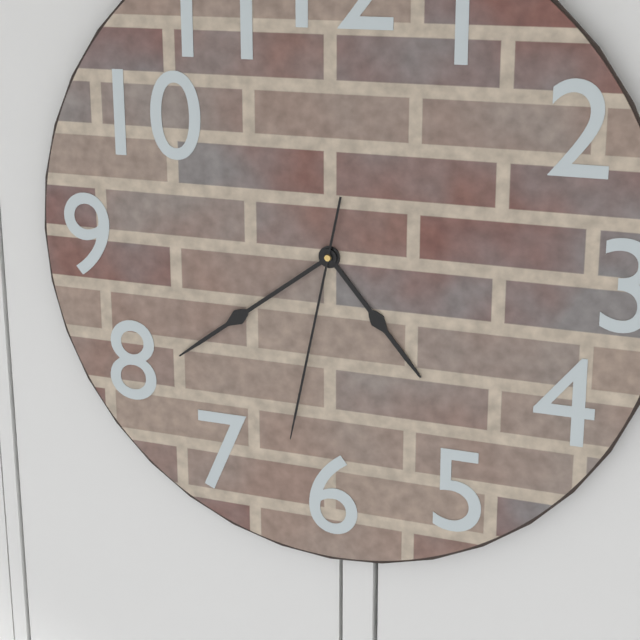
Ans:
4,39,32
